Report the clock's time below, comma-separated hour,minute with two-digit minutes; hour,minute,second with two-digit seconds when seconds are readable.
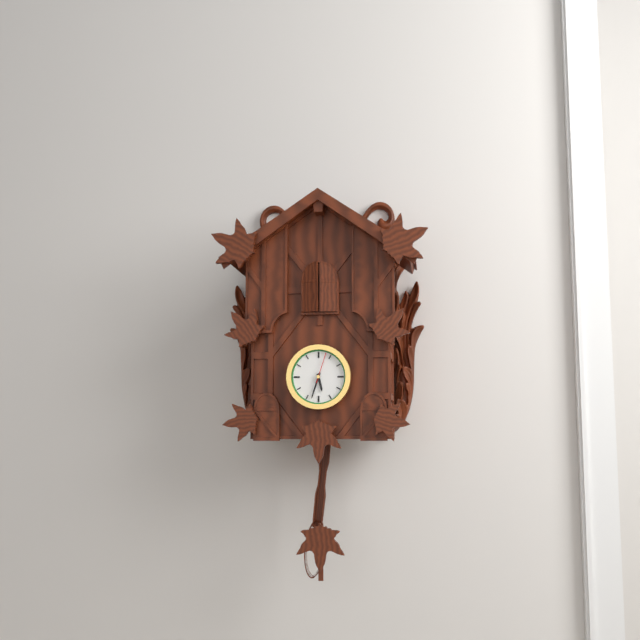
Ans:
5,33
